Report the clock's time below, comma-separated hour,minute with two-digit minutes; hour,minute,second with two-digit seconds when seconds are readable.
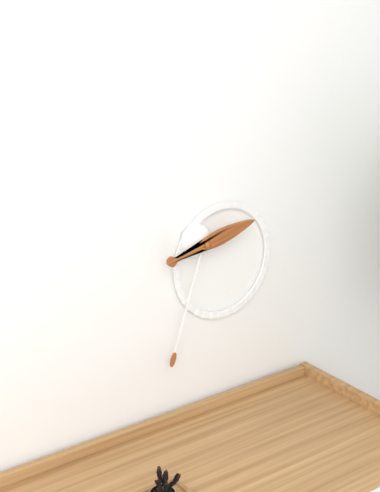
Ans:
2,33
